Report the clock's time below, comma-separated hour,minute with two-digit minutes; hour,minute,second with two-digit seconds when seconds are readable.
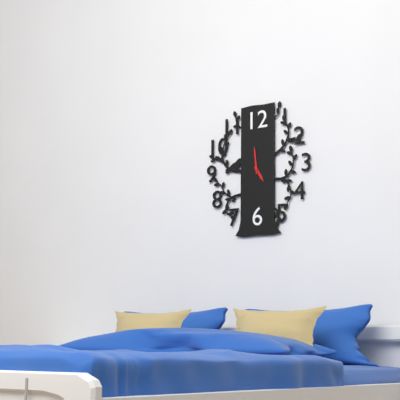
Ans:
4,59
